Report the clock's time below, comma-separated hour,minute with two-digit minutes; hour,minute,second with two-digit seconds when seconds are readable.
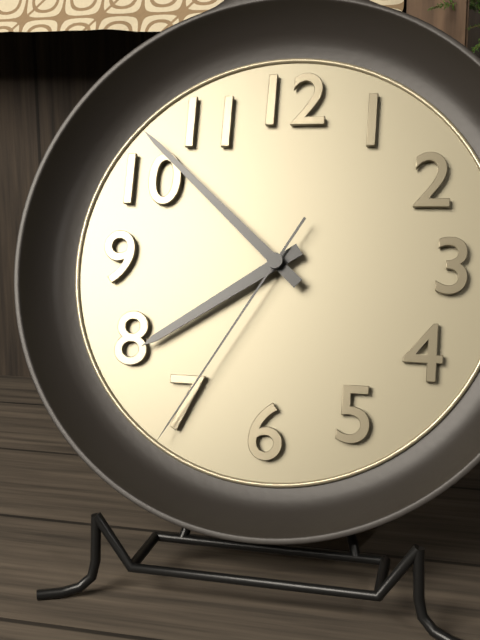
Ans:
7,52,35
